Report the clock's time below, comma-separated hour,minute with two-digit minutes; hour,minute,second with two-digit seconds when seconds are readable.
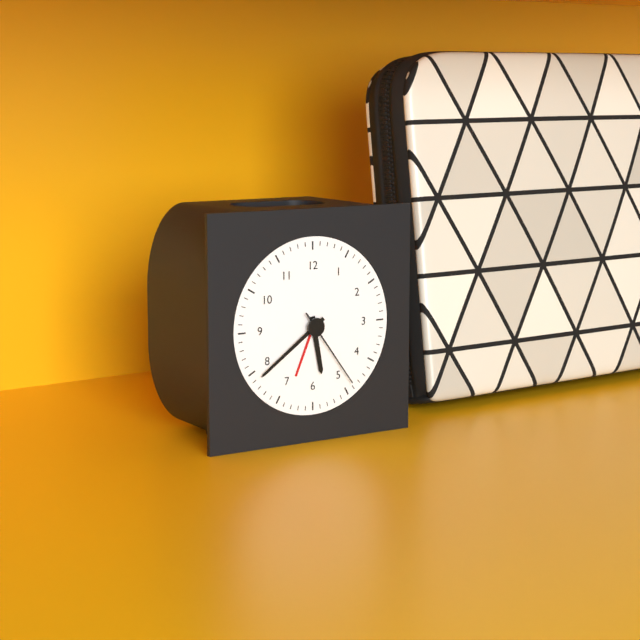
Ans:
5,39,24
